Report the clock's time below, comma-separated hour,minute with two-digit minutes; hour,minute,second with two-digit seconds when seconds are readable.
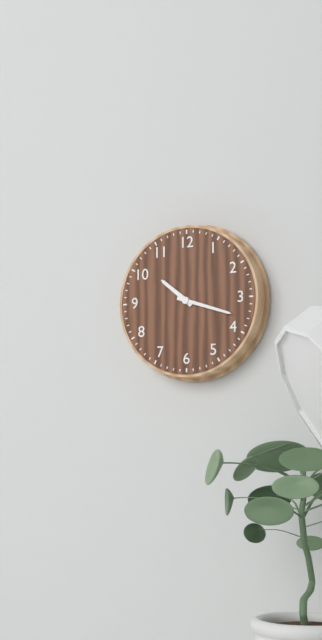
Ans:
10,18
